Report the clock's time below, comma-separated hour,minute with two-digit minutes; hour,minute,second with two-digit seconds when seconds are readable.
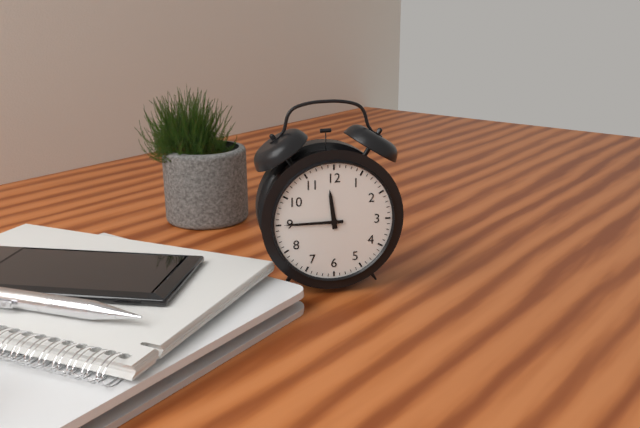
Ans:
11,45
